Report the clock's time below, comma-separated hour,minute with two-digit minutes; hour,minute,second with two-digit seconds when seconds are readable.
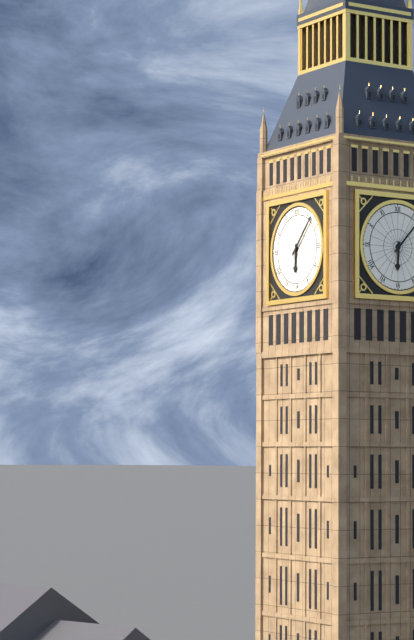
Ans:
6,07
